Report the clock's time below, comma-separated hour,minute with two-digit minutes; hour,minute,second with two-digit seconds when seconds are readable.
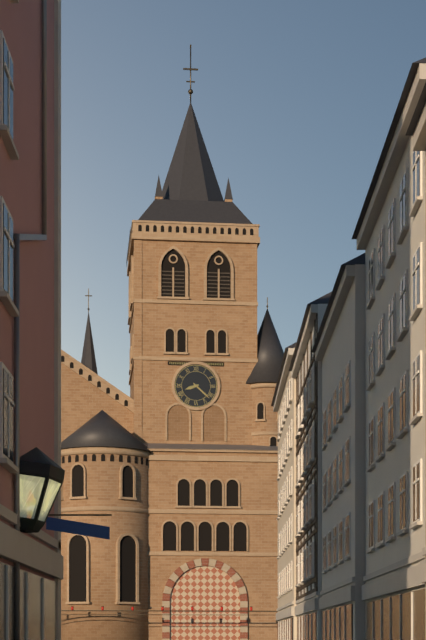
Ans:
8,22
